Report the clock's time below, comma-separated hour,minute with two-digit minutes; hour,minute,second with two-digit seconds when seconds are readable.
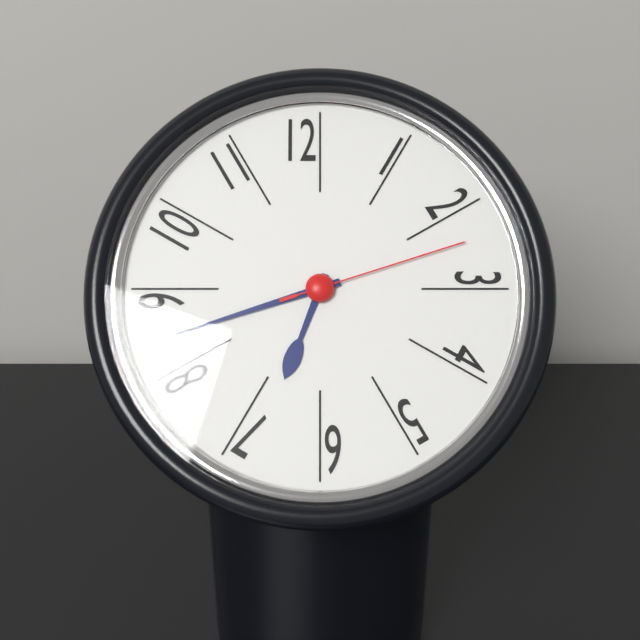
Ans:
6,42,12
